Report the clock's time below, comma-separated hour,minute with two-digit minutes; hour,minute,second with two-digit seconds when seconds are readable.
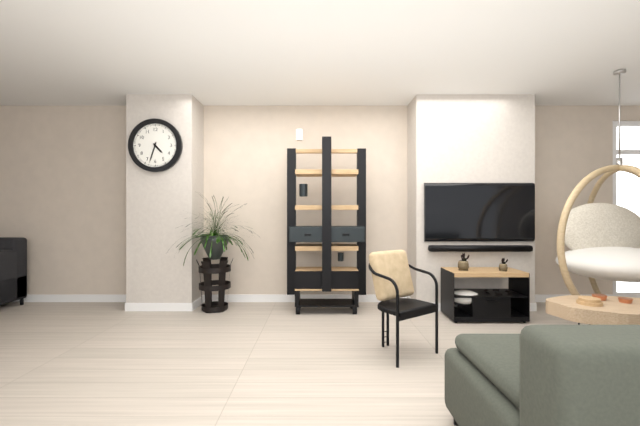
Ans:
4,33
